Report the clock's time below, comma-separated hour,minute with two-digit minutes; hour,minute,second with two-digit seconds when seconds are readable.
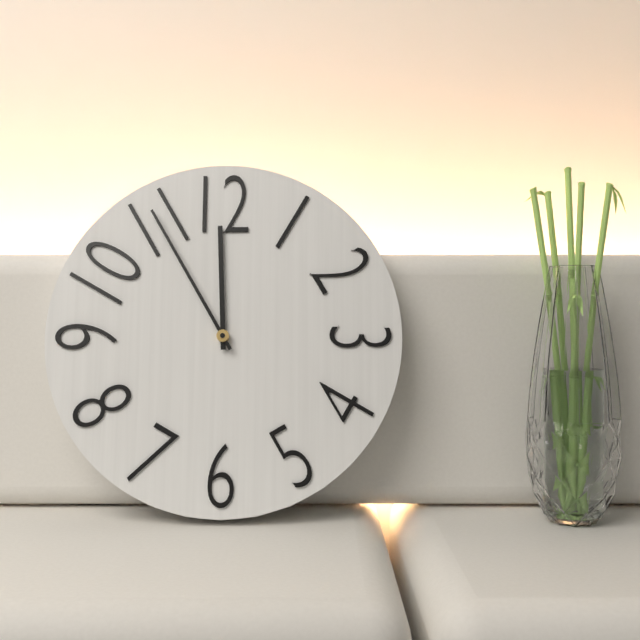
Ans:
11,55
